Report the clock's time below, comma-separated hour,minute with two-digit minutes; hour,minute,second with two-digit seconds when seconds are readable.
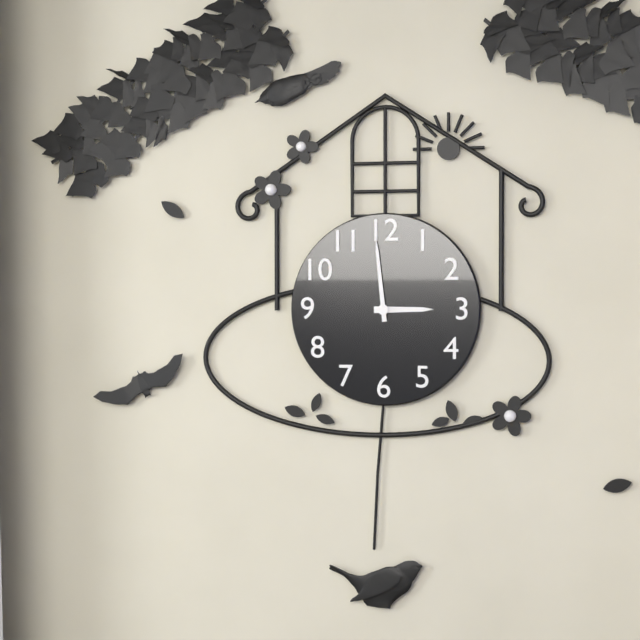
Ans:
2,59
